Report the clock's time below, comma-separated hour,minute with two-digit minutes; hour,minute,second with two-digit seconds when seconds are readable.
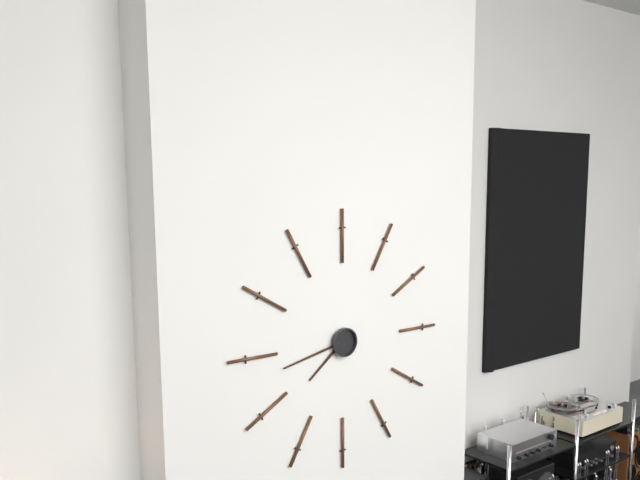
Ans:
7,43
